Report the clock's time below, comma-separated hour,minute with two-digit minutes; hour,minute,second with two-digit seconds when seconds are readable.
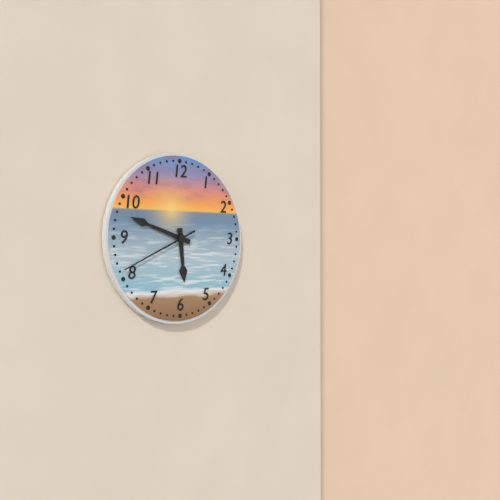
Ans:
5,48,41
